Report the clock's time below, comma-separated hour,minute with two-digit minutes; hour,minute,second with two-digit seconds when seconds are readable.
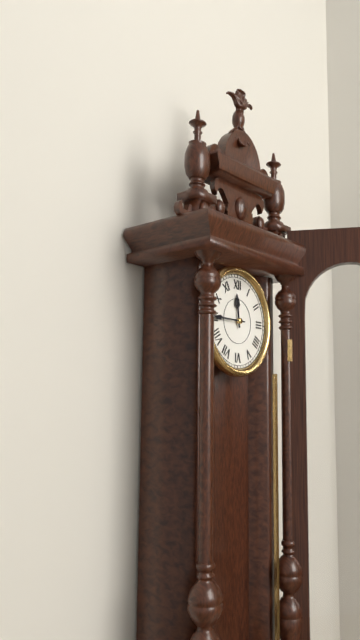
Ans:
11,45
